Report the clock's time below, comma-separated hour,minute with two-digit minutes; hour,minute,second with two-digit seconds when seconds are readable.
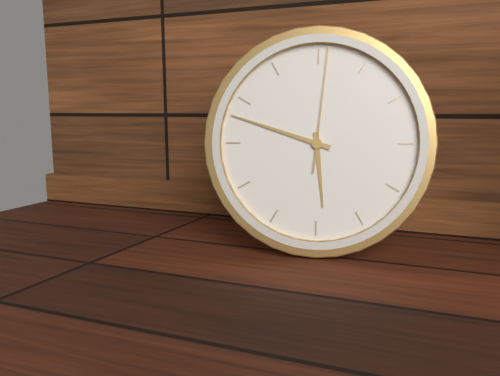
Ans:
5,48,01
